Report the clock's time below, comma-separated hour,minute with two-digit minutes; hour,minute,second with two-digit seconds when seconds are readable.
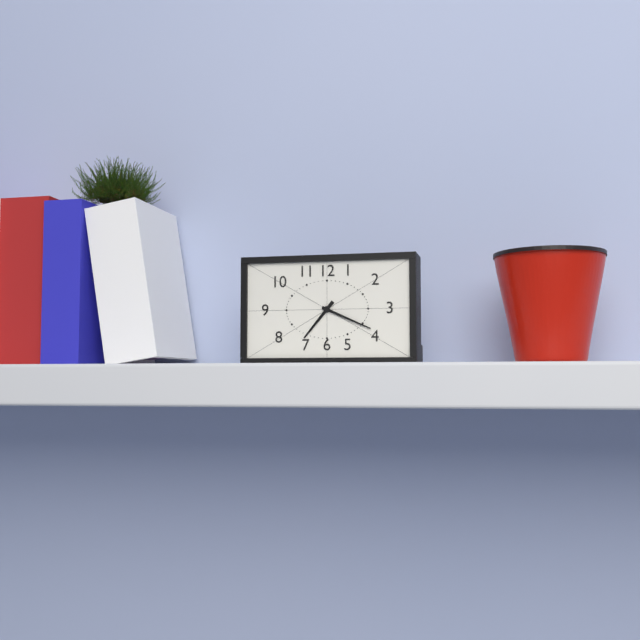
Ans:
7,19
